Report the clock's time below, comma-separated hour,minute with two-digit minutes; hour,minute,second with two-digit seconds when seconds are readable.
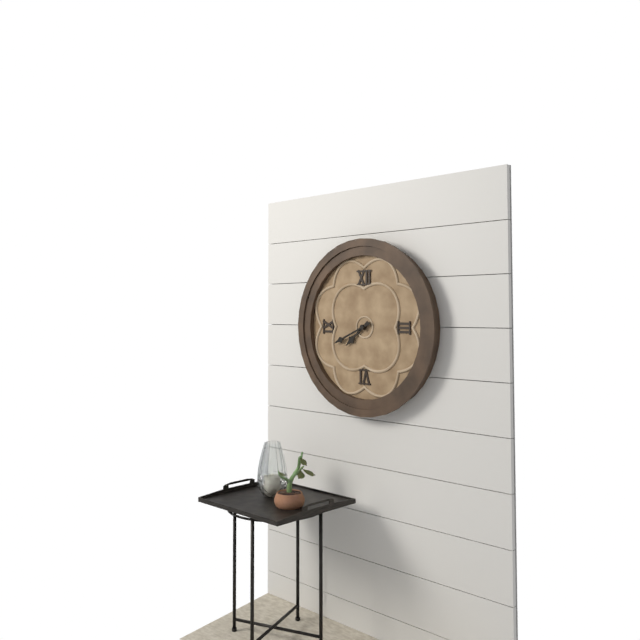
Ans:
7,41
